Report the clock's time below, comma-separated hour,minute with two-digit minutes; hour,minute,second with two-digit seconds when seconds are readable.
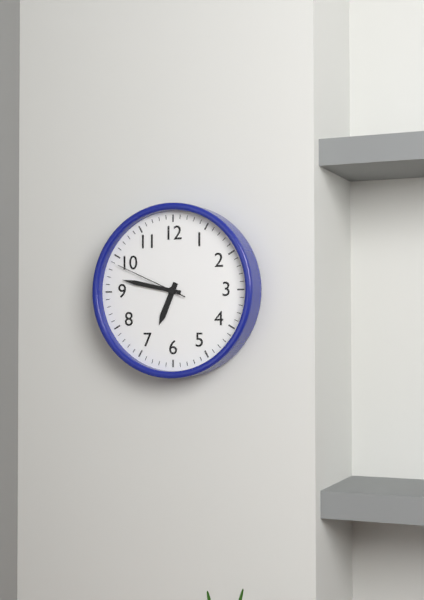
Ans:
6,47,49
